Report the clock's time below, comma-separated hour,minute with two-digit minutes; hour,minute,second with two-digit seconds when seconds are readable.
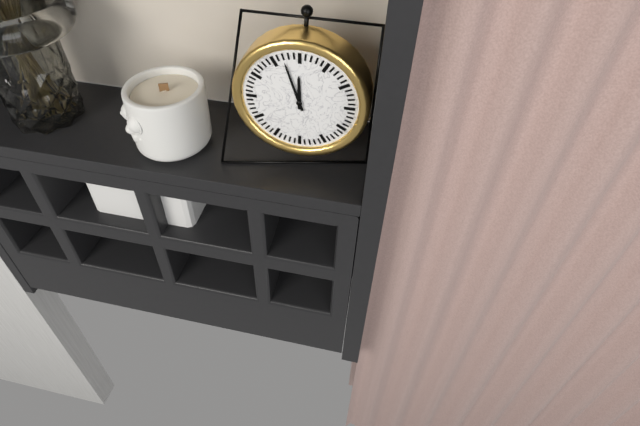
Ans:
11,57
